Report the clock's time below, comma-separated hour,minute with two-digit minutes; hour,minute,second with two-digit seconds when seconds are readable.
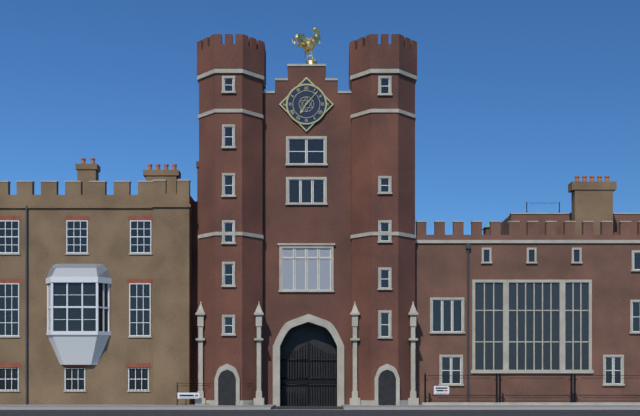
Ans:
7,07
